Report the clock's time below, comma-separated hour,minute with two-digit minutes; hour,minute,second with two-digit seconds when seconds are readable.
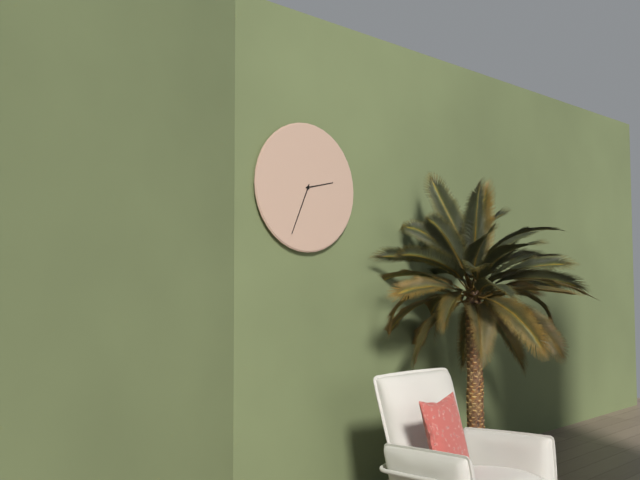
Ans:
2,34
